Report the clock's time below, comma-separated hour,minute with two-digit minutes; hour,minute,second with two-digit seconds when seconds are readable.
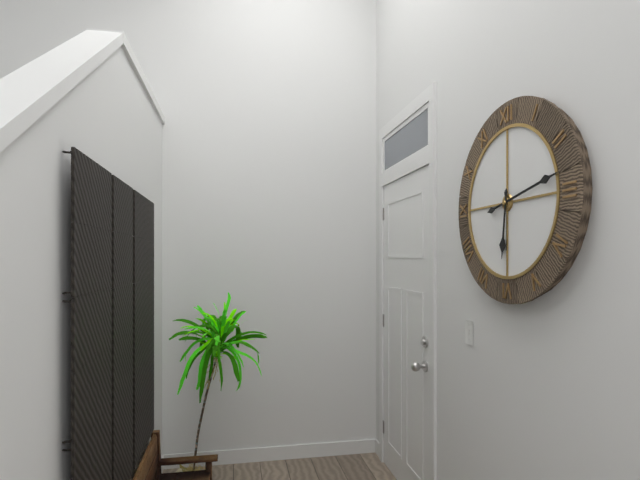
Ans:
6,13
